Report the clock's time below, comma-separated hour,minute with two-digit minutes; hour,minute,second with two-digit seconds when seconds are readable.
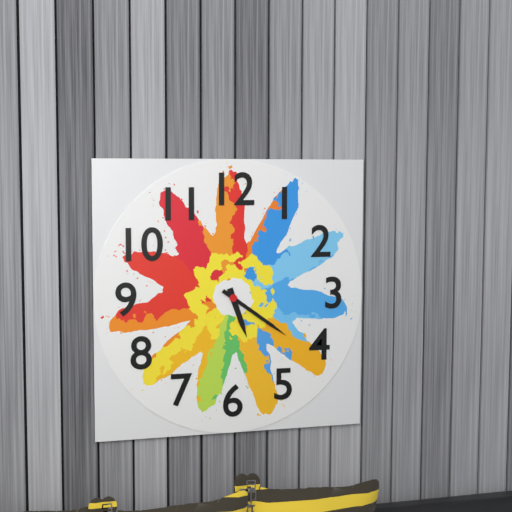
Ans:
5,21
